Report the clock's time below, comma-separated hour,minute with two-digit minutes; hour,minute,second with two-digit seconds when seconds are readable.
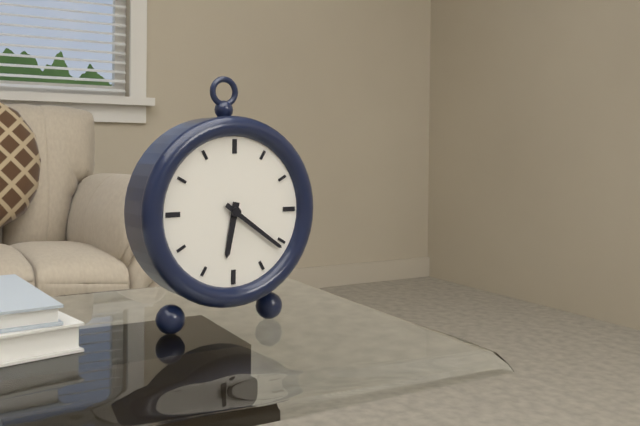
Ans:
6,21
